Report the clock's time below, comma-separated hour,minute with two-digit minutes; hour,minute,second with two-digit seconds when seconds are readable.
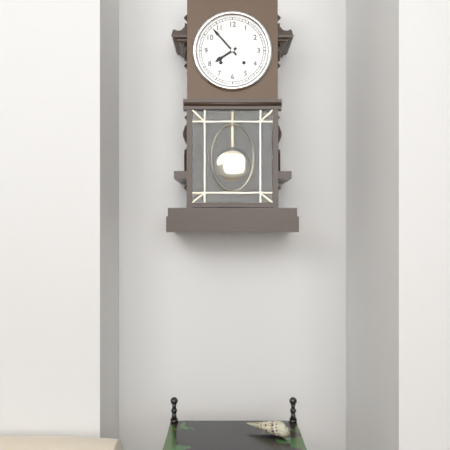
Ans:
7,53
